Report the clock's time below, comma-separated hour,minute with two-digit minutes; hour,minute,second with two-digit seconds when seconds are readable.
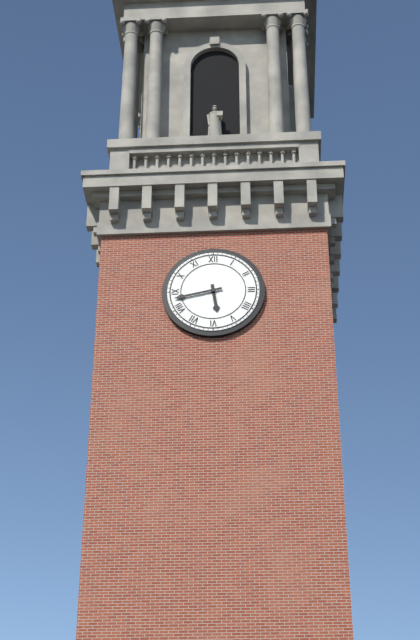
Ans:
5,43
